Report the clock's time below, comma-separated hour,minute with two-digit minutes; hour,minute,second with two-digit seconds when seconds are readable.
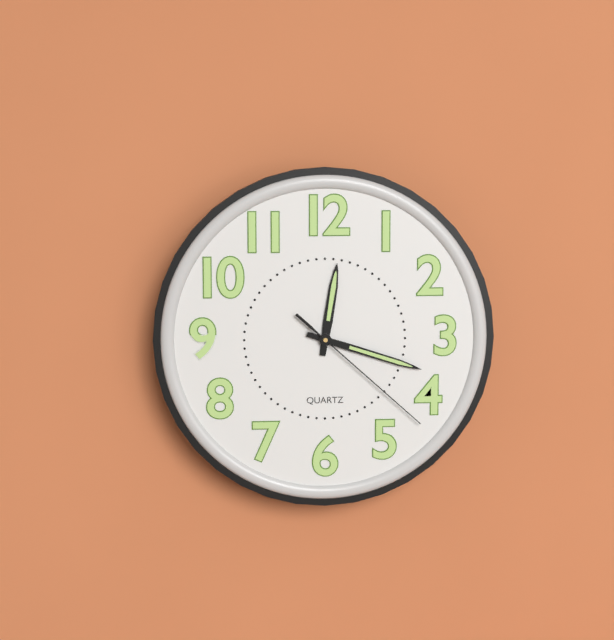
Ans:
12,18,22
